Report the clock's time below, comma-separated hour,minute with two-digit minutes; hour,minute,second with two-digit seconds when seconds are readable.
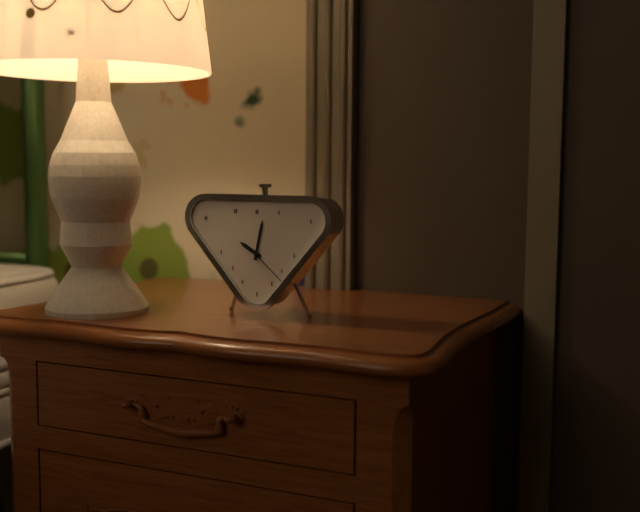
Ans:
10,02
